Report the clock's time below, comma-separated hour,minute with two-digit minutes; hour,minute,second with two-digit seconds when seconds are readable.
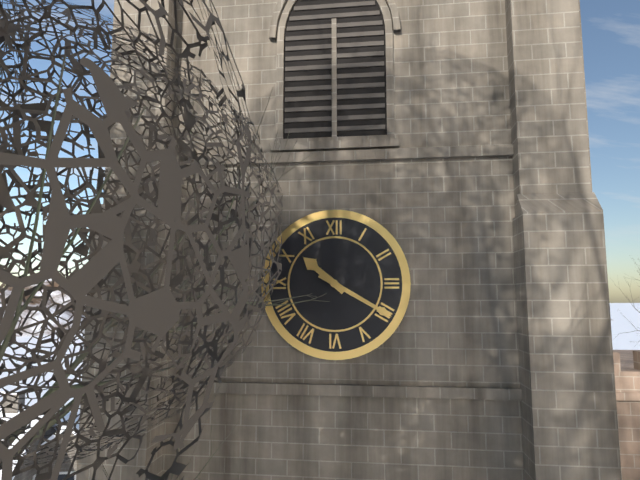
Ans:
10,20
